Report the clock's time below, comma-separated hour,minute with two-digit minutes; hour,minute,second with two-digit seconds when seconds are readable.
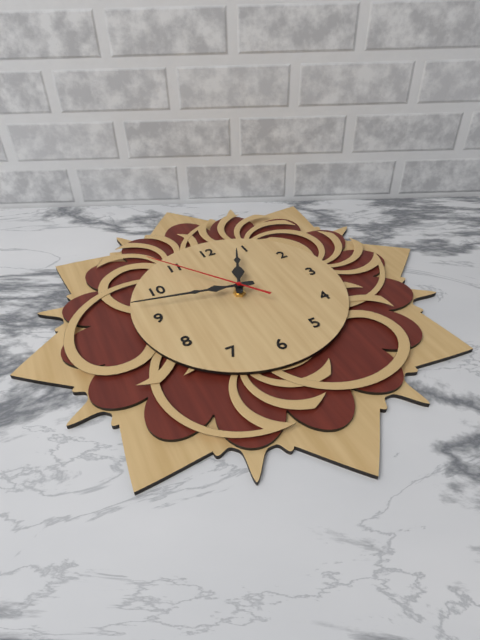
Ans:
12,47,54
